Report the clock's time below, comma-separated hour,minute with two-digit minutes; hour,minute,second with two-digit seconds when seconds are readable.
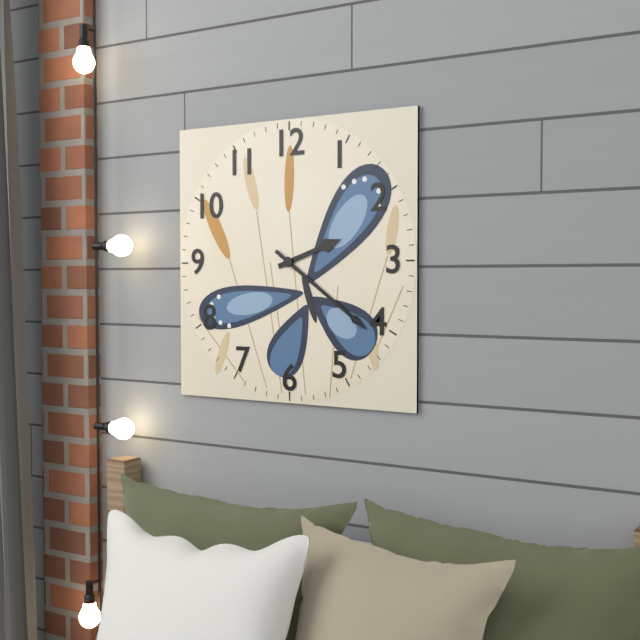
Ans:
2,21
